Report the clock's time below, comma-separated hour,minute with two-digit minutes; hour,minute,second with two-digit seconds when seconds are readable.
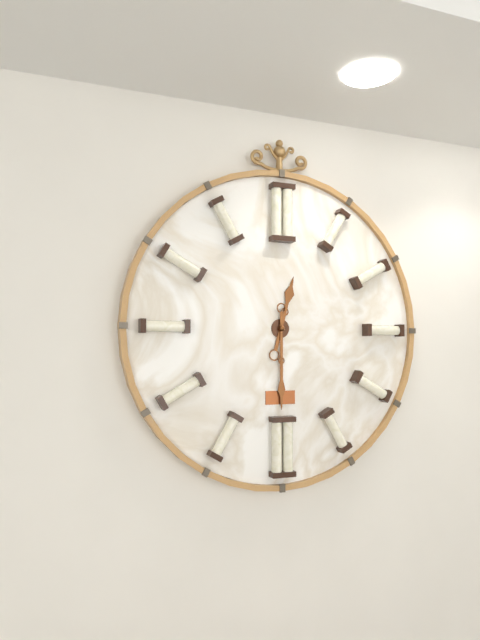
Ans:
12,30
